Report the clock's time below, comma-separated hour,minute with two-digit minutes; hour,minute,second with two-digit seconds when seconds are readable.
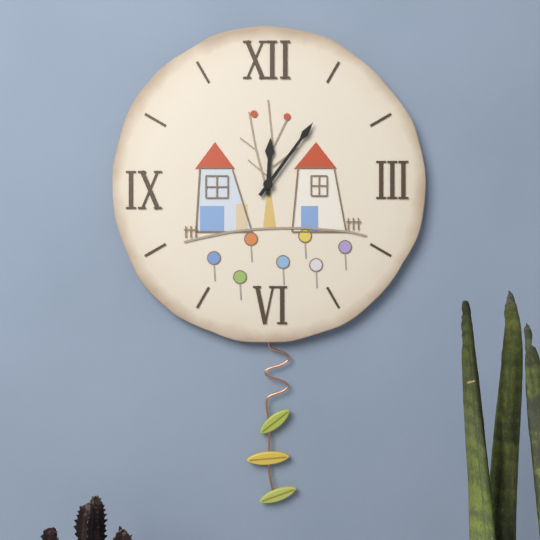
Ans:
12,06
